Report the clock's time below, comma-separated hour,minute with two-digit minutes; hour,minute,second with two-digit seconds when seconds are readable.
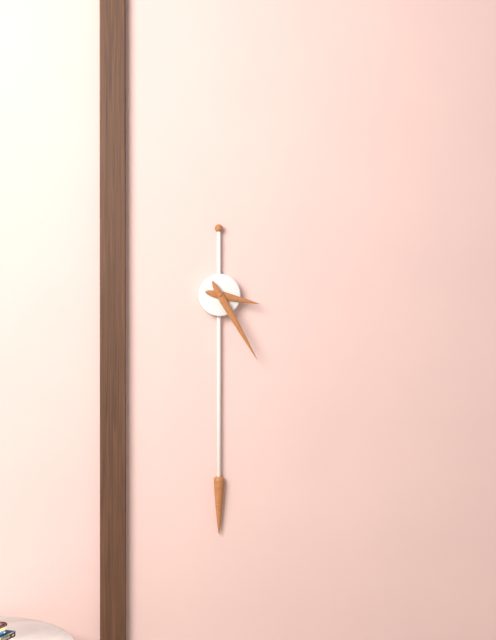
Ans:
3,25
